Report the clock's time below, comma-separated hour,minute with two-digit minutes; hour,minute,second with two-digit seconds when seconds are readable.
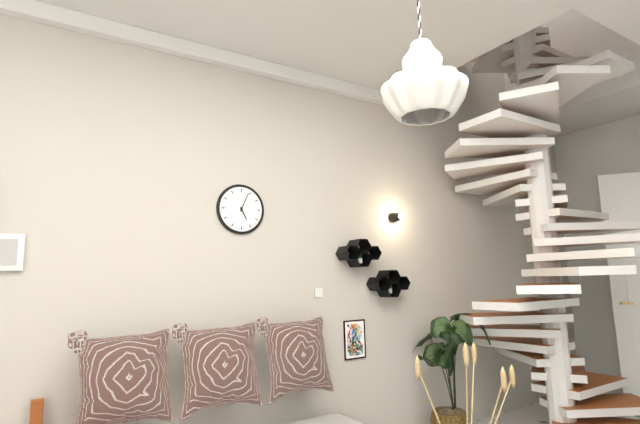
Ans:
5,04
